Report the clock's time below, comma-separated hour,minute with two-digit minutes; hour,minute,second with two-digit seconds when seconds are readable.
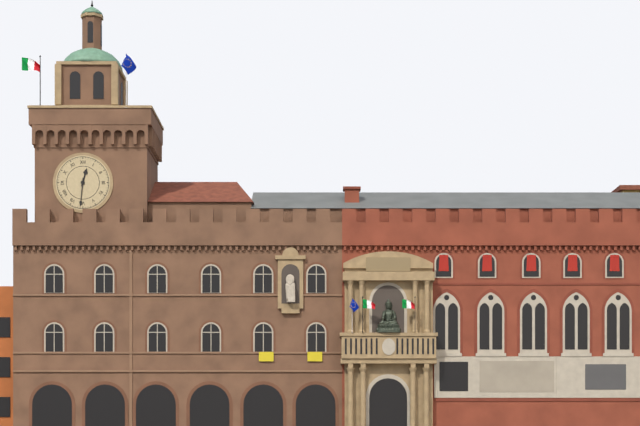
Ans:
12,31
